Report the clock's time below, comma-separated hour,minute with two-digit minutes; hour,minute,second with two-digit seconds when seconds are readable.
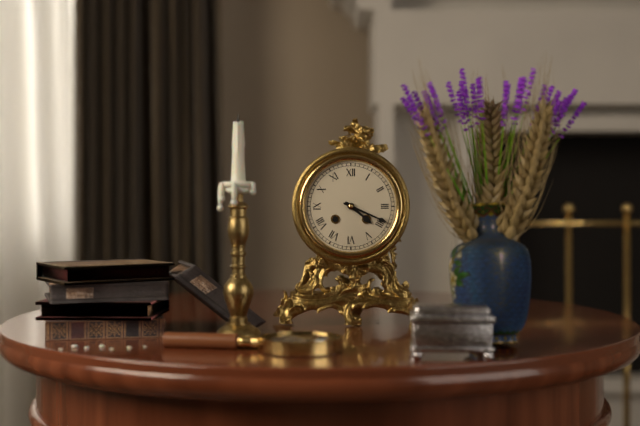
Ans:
4,19
